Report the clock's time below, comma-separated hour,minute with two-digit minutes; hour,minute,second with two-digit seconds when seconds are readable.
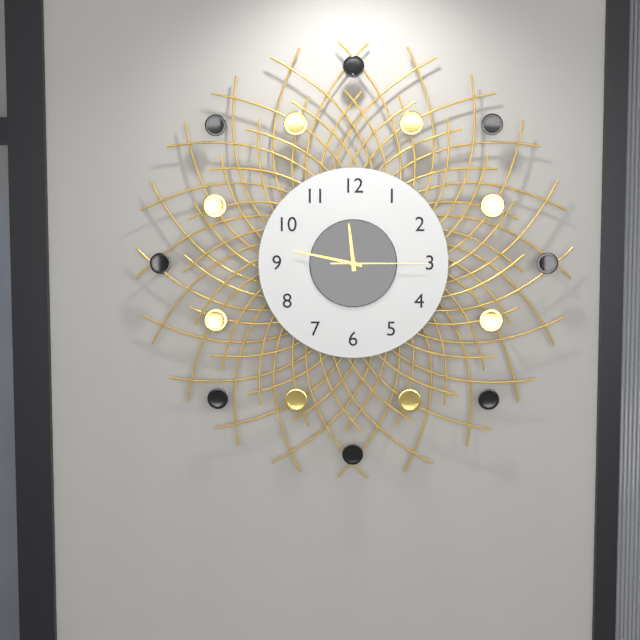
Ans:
11,47,15
